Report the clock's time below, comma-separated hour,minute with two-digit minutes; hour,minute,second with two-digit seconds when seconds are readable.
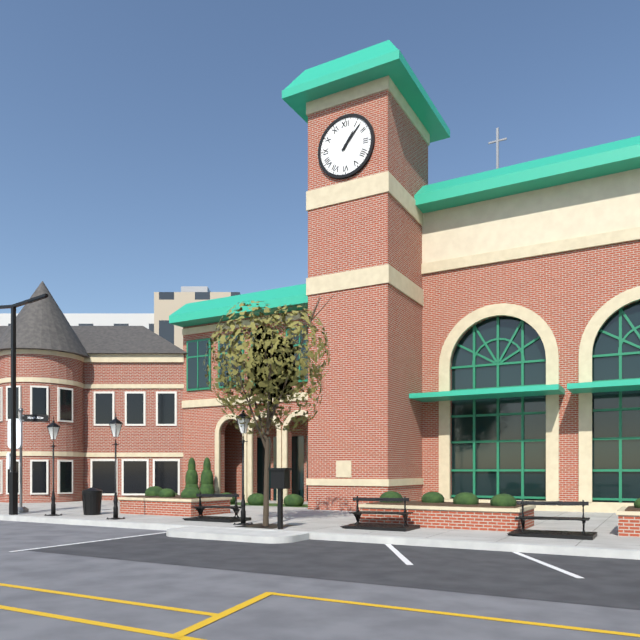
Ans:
1,07
